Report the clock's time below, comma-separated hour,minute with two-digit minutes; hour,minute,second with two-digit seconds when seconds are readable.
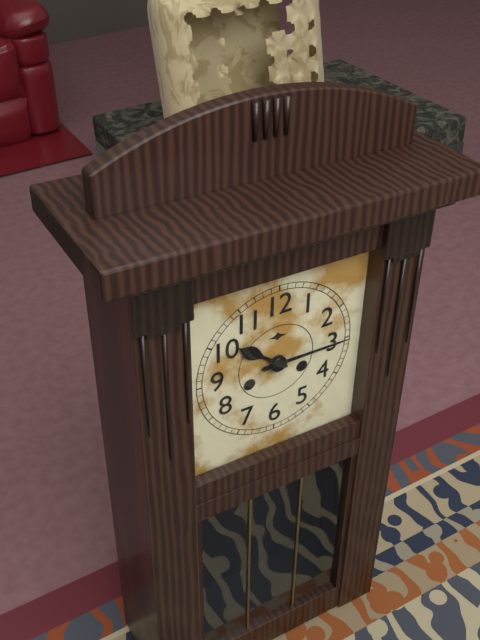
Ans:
10,15
